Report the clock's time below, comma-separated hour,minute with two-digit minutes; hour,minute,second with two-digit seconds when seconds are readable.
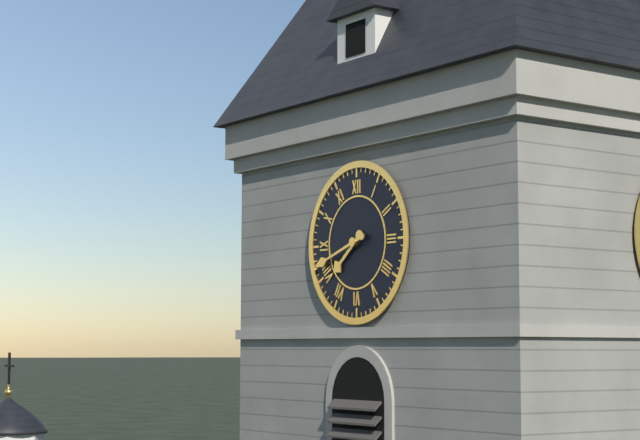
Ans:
7,42
